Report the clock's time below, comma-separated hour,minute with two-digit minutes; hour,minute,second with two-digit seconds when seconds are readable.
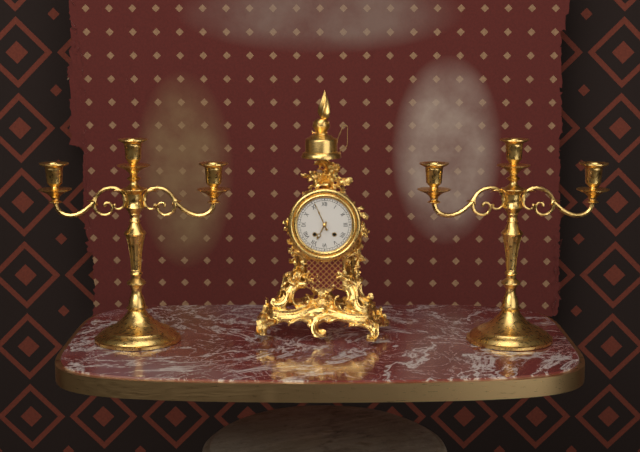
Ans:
6,56
